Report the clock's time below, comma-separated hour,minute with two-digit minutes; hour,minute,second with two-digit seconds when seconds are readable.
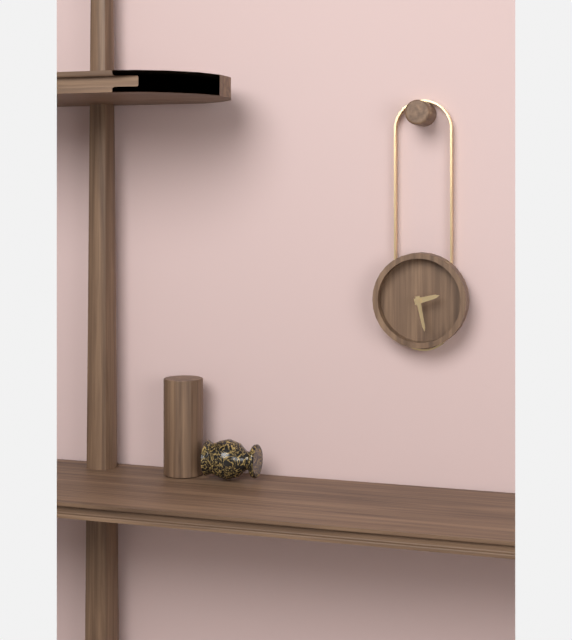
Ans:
2,28
